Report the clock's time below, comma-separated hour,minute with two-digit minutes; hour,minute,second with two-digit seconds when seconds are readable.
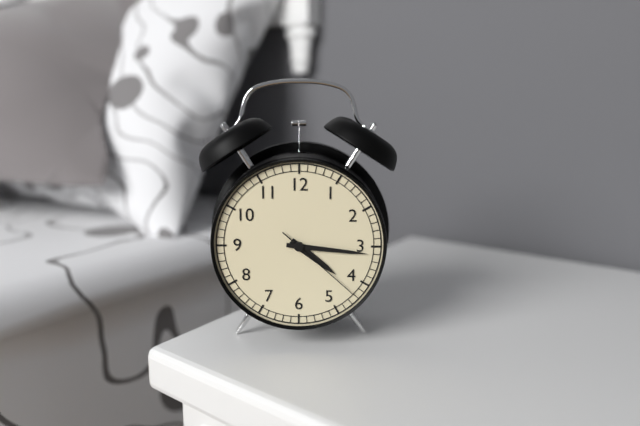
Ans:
4,16,22
